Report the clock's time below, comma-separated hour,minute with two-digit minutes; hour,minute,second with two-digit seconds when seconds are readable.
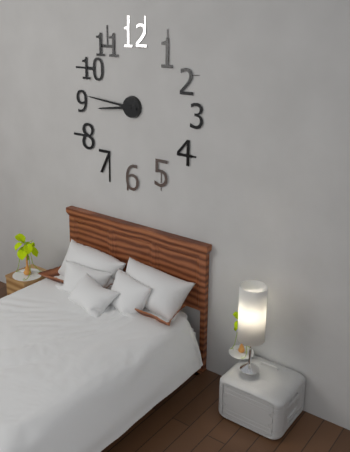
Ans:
8,46
